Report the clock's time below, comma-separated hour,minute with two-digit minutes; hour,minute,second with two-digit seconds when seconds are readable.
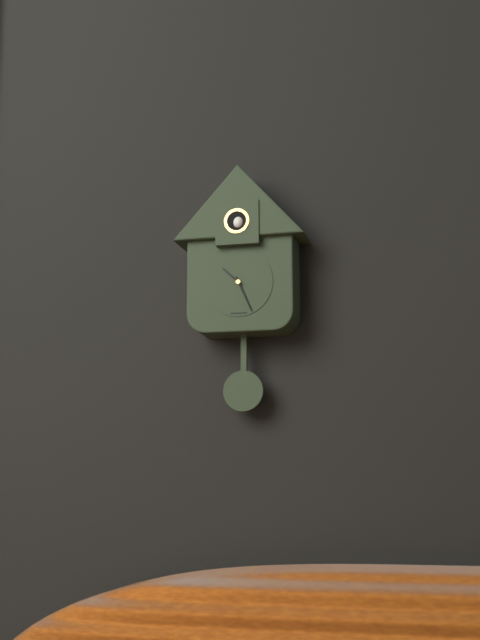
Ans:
10,26
